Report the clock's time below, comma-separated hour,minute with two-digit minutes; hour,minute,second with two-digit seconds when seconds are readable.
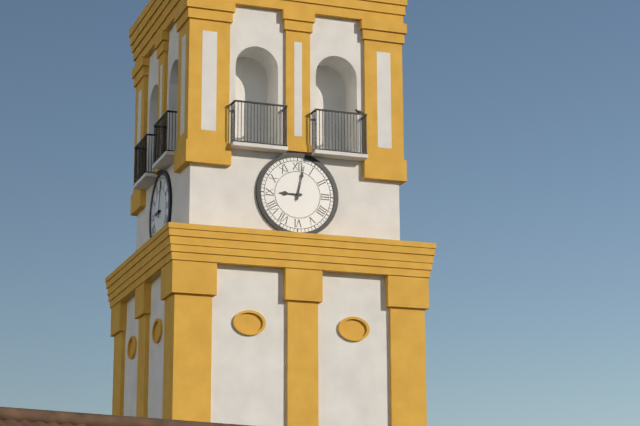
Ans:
9,02
